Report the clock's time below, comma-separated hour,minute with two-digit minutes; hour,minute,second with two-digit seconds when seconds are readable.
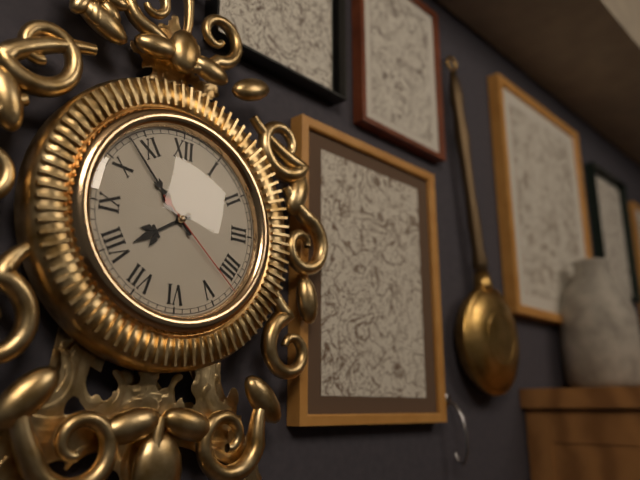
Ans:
7,53,22
